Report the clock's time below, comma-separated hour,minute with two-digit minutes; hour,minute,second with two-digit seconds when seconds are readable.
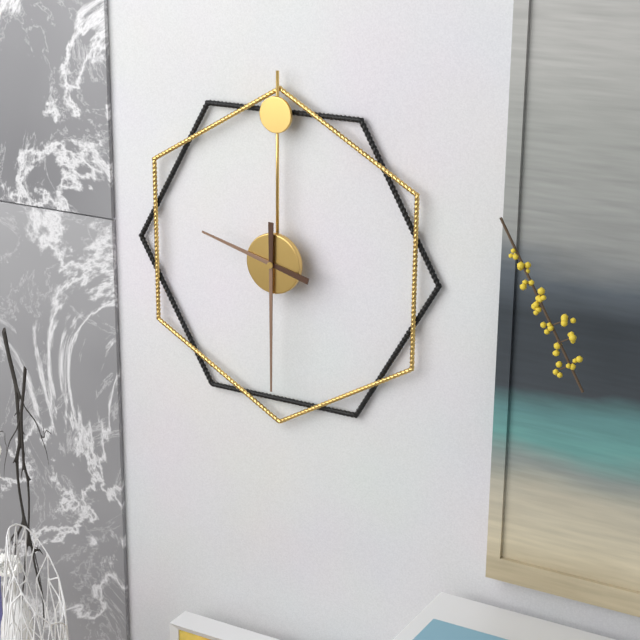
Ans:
9,30
